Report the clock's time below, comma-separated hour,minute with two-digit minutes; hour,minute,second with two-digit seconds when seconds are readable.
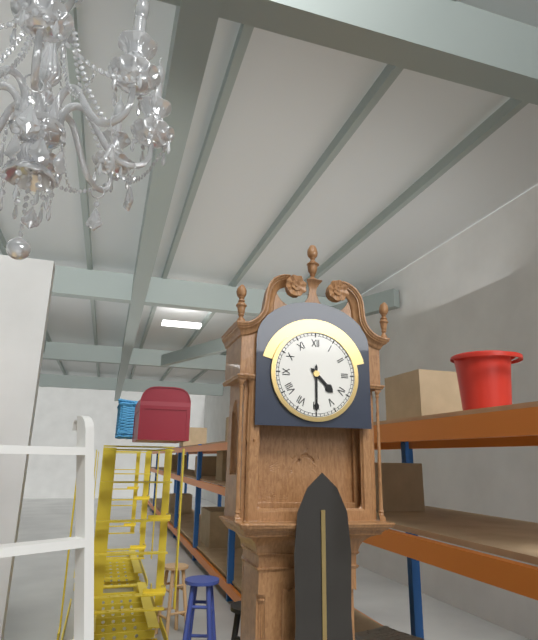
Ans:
4,30
